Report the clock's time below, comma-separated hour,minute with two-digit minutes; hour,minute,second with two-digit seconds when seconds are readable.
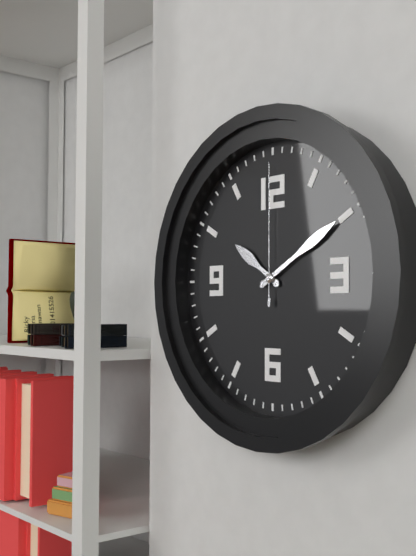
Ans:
10,10,00
